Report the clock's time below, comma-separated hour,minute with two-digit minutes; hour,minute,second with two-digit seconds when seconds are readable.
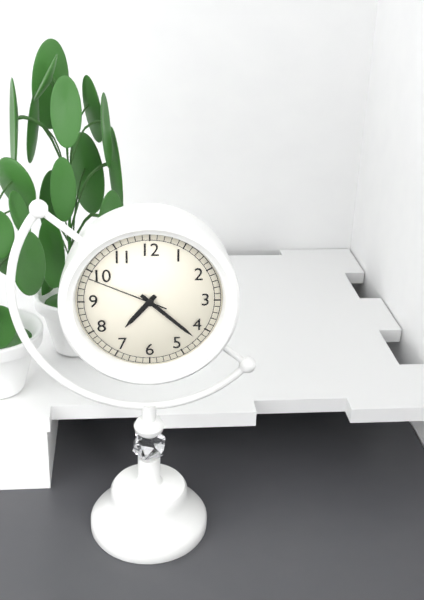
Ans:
7,22,49
